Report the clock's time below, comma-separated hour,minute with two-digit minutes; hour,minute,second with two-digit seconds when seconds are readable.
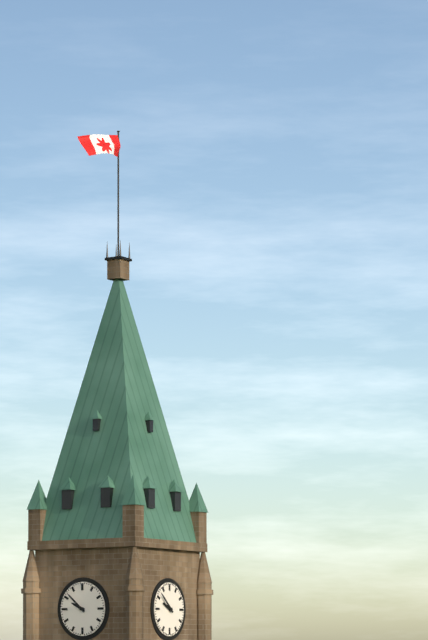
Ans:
9,52
